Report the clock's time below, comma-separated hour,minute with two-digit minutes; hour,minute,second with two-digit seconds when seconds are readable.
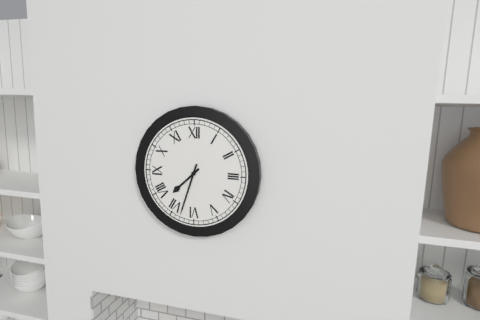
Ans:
7,33
